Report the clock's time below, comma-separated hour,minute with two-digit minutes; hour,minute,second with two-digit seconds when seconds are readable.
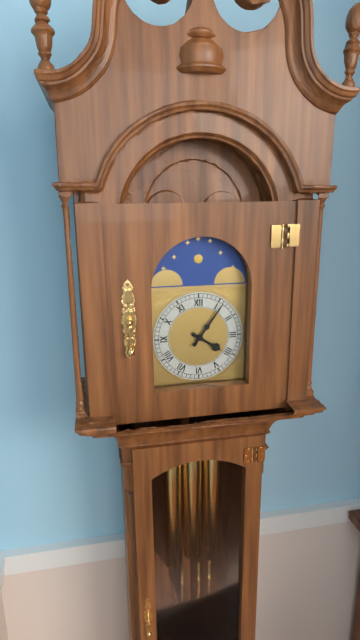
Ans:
4,06
